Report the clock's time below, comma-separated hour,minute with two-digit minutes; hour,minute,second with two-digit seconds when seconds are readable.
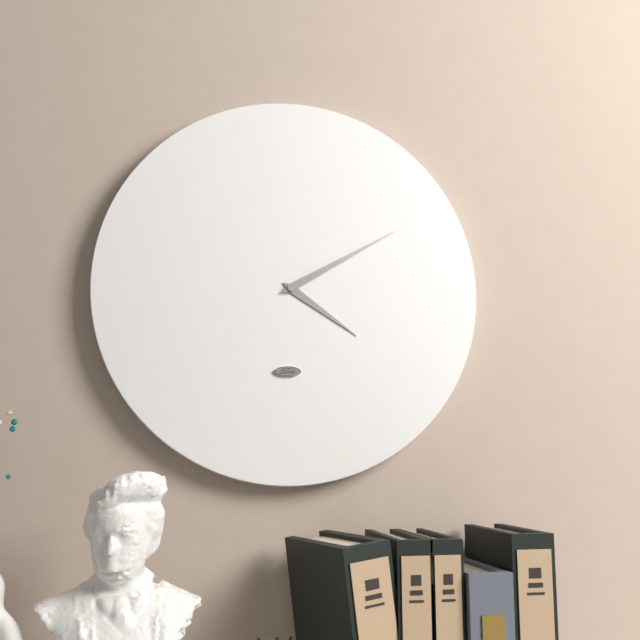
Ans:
4,10
